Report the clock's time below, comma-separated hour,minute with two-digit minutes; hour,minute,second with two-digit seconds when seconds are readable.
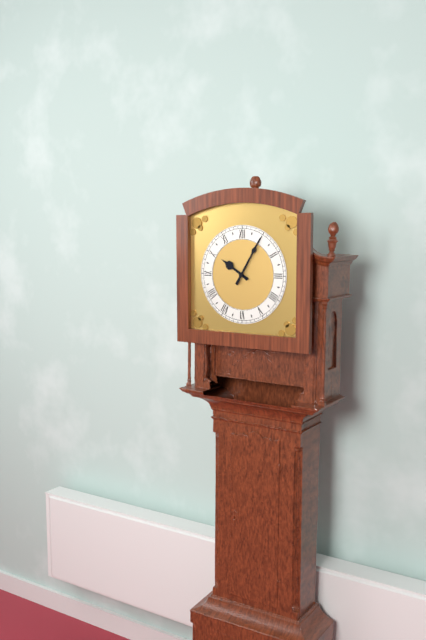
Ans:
10,05
